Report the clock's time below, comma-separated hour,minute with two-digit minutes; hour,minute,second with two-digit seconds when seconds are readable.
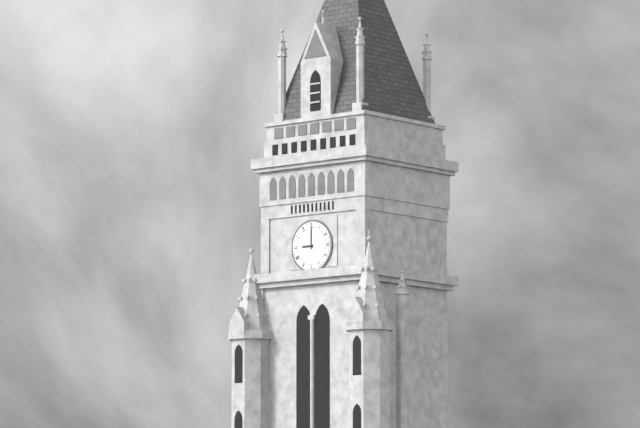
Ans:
9,00
